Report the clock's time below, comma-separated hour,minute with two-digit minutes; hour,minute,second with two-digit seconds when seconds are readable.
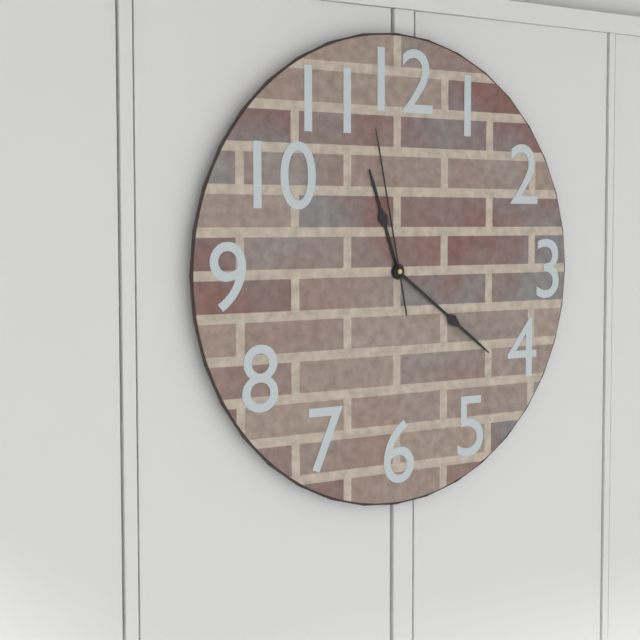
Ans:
11,21,58
